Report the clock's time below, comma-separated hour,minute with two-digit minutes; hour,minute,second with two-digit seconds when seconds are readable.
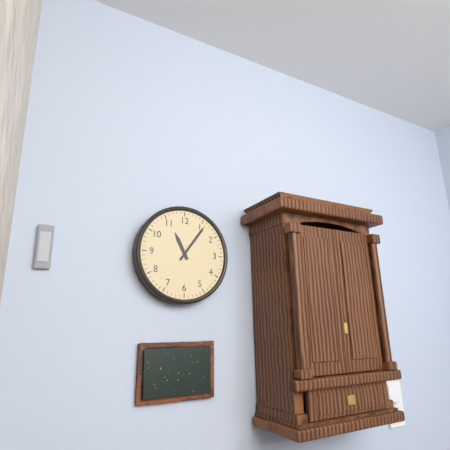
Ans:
11,06
